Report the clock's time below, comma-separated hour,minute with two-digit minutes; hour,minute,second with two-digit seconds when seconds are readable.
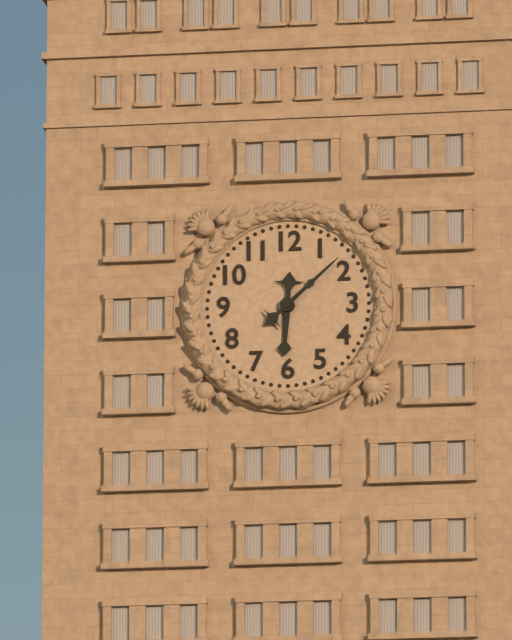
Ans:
6,08
